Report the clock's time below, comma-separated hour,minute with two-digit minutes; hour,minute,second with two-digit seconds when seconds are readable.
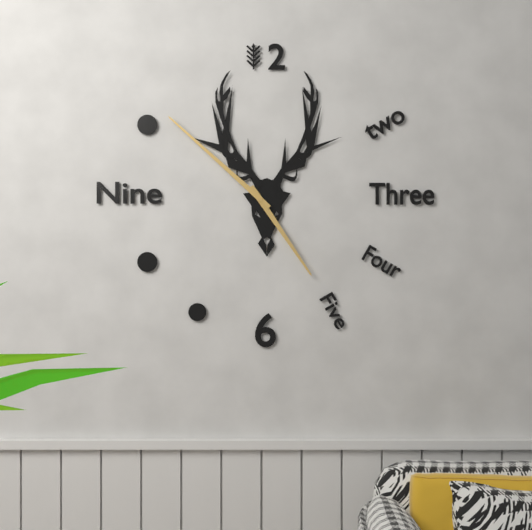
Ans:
4,52
